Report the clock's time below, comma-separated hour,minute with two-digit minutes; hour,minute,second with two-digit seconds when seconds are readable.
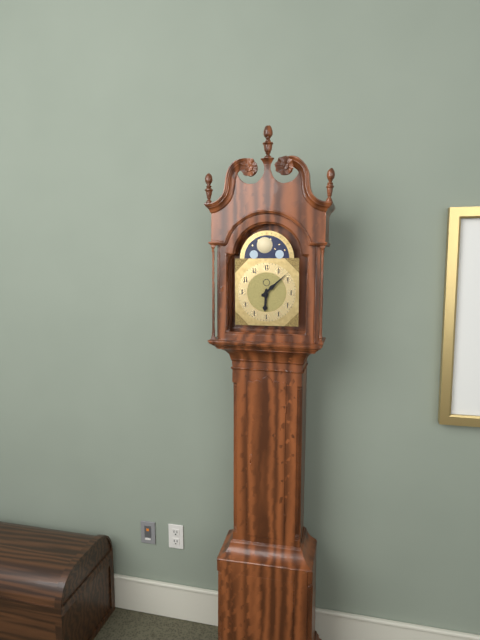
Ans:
6,08
